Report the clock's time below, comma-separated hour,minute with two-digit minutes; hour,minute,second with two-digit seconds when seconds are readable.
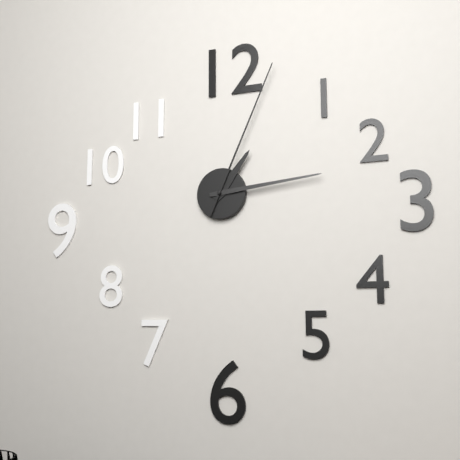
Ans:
1,14,04
